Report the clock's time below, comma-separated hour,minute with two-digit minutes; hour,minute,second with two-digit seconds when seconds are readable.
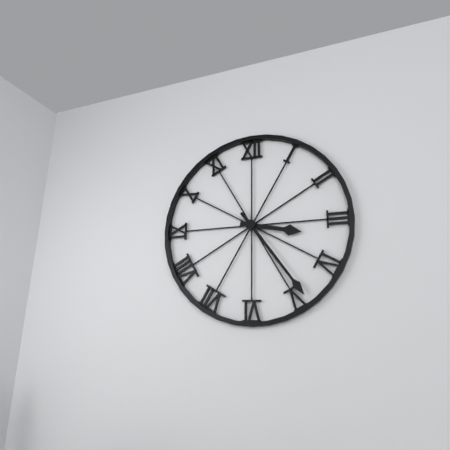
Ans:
3,24
